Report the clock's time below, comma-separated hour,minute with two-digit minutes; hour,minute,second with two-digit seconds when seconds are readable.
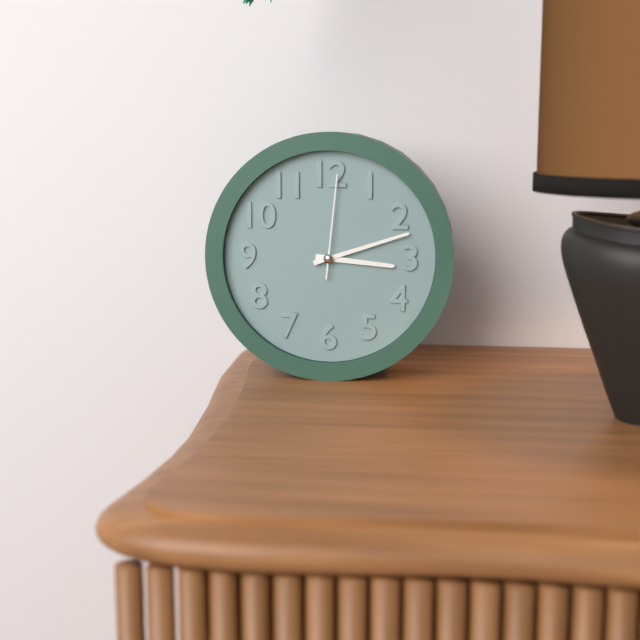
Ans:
3,12,01
